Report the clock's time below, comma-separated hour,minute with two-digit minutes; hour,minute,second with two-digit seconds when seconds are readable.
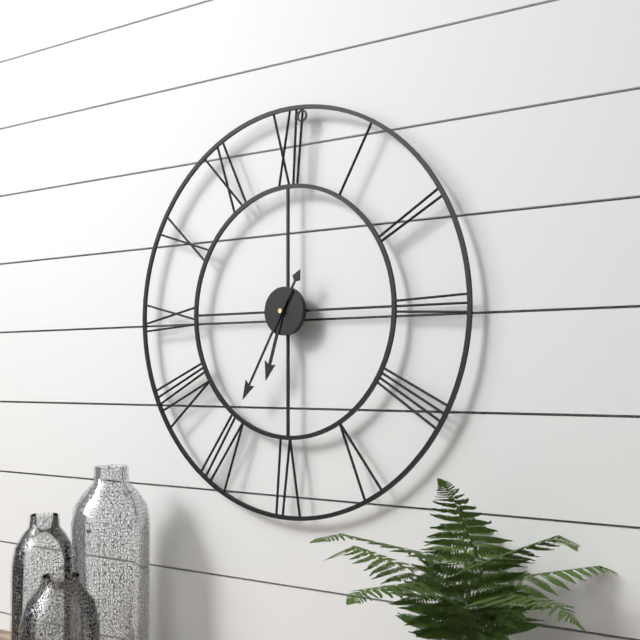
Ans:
6,35
